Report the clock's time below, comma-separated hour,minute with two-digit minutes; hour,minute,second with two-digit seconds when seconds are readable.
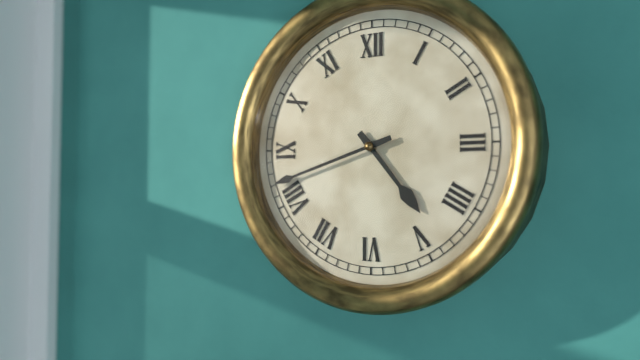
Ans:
4,42
